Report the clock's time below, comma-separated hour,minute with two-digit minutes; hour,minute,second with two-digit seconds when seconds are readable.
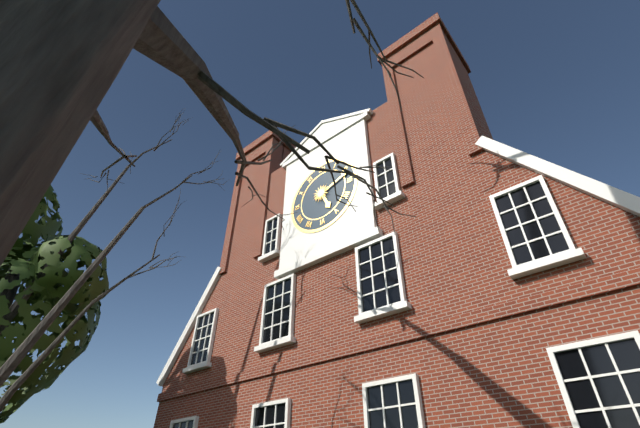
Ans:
5,12
